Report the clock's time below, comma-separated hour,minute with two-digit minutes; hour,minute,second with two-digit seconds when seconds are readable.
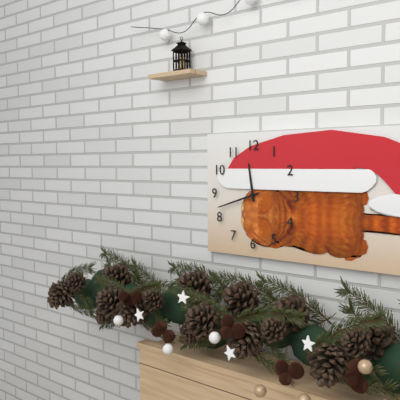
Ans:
11,42
